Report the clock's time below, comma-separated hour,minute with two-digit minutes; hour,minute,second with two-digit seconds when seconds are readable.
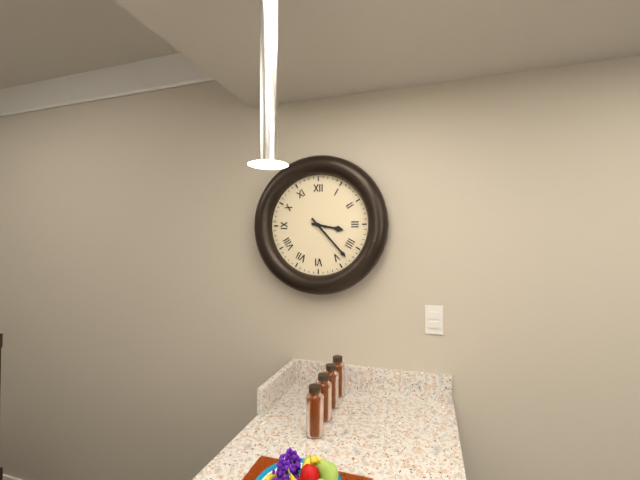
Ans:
3,23
